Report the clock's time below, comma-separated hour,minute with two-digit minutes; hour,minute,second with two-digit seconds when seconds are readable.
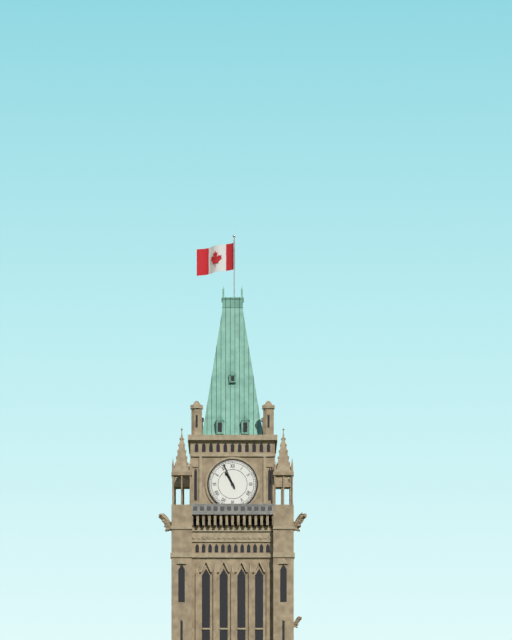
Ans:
10,56
